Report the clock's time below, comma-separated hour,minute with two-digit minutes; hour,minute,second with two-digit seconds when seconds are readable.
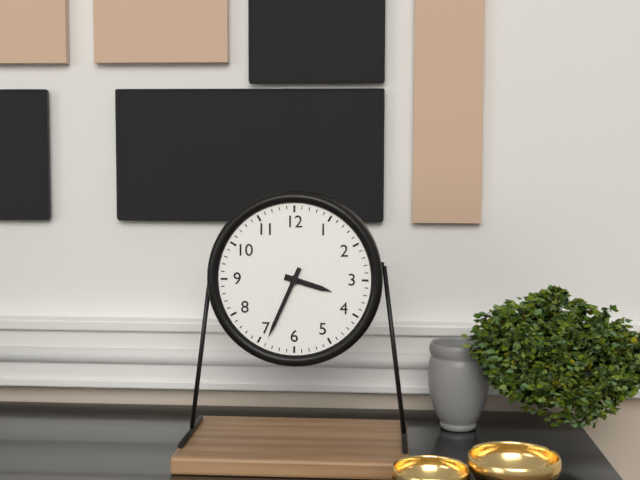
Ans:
3,34
